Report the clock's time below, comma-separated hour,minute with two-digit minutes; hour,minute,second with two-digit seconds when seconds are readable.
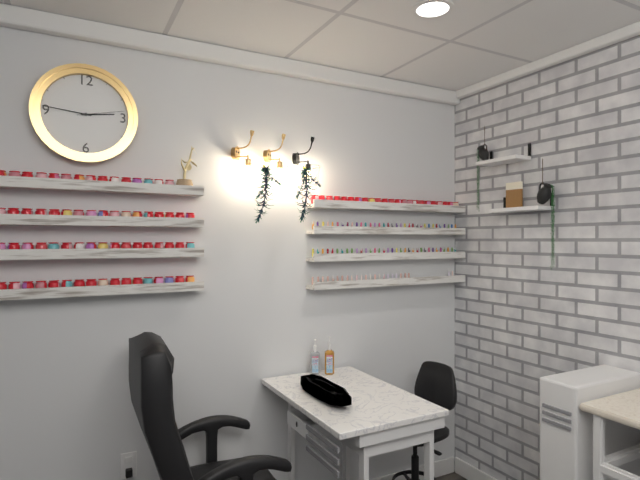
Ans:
2,46
